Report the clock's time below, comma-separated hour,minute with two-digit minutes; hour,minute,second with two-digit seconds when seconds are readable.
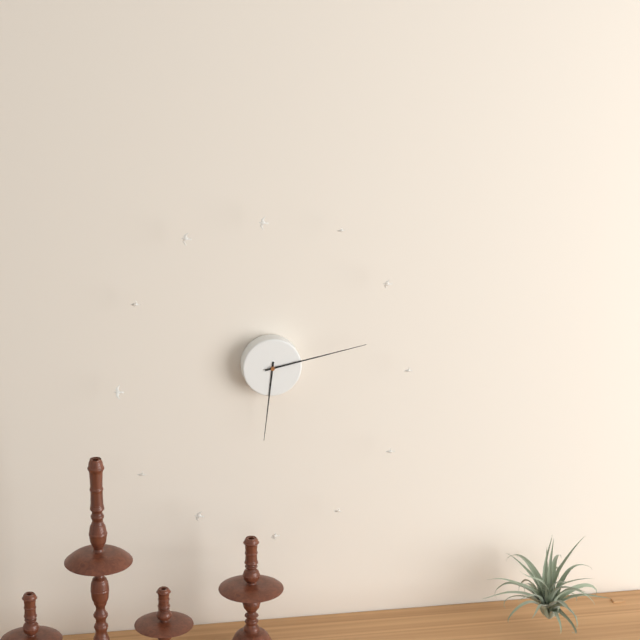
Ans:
6,13
